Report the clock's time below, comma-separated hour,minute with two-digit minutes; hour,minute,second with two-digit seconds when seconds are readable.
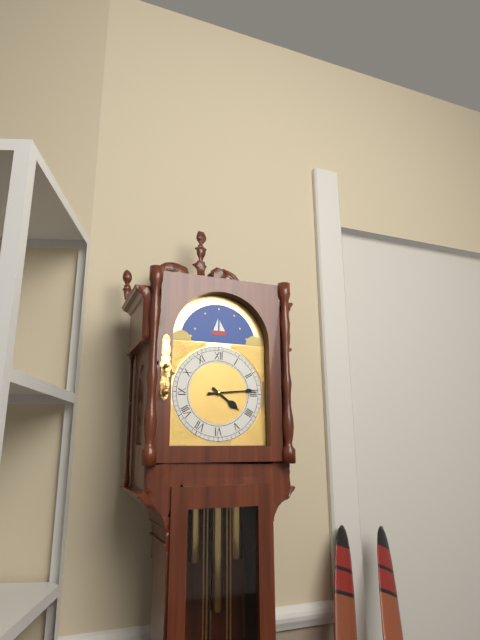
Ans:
4,14
